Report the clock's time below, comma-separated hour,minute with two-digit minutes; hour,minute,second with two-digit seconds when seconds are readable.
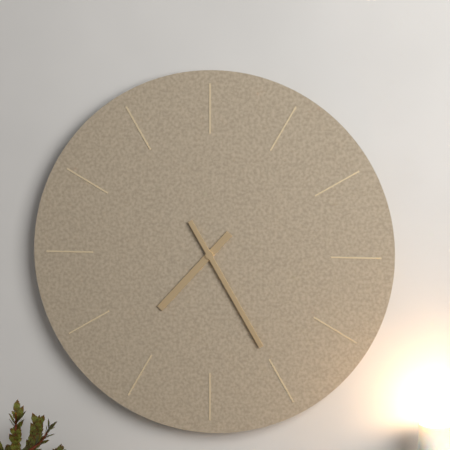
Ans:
7,25
